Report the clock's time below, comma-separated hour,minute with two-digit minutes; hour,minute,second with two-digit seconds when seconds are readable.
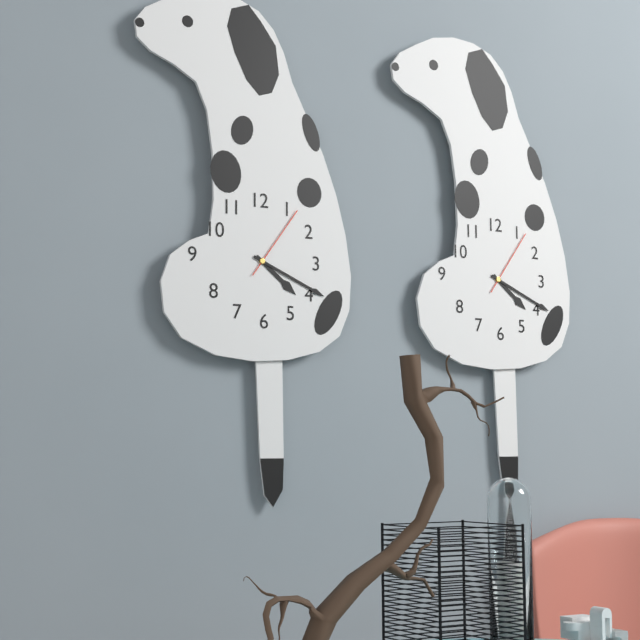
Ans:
4,19,06
